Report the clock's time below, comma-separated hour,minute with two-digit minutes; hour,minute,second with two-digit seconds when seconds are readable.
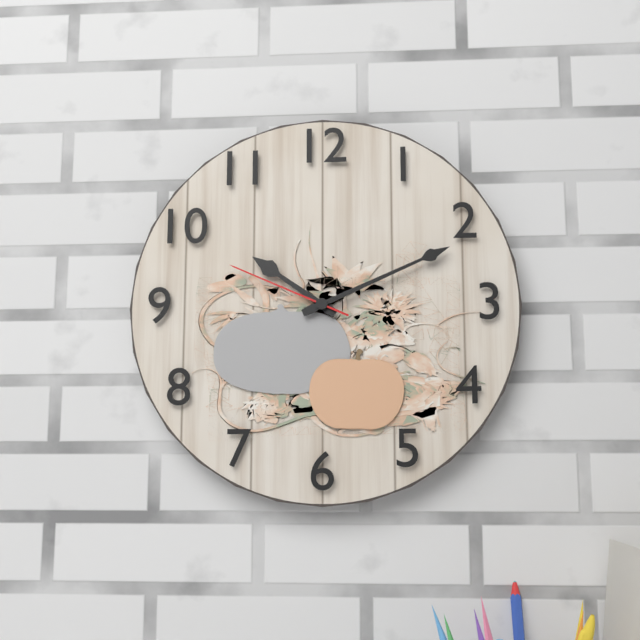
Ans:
10,11,49
